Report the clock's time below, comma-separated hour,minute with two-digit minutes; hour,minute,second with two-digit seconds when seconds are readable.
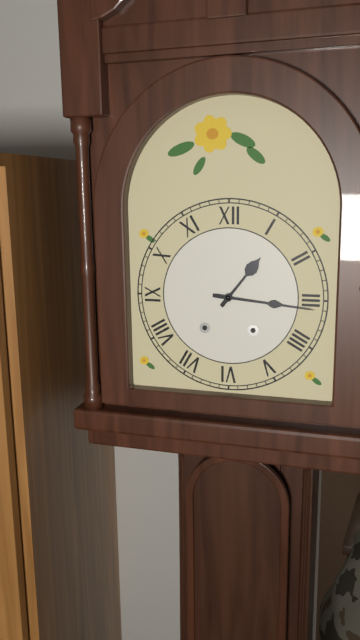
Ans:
1,16
